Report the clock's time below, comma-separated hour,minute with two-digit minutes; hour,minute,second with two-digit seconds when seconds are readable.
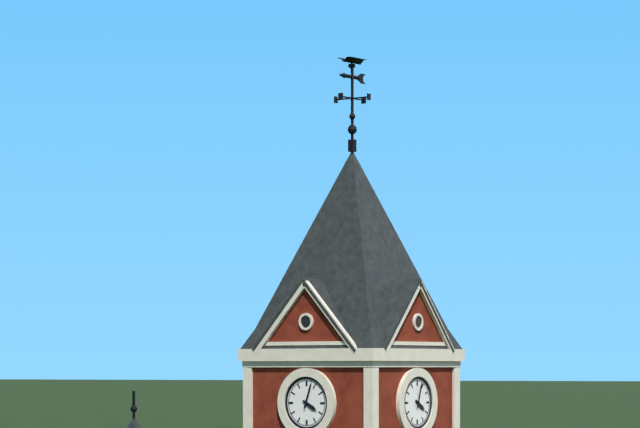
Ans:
4,03
